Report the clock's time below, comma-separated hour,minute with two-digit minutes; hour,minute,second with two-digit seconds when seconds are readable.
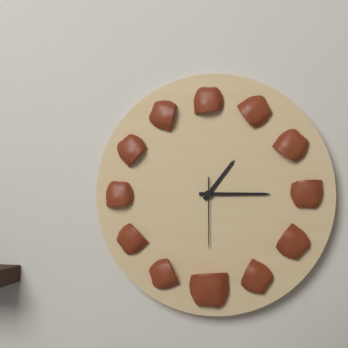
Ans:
1,15,30
